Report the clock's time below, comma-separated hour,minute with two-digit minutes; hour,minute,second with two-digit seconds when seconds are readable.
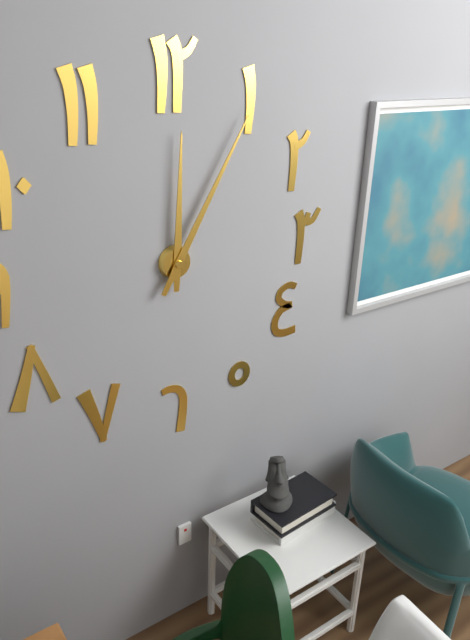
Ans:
12,05
